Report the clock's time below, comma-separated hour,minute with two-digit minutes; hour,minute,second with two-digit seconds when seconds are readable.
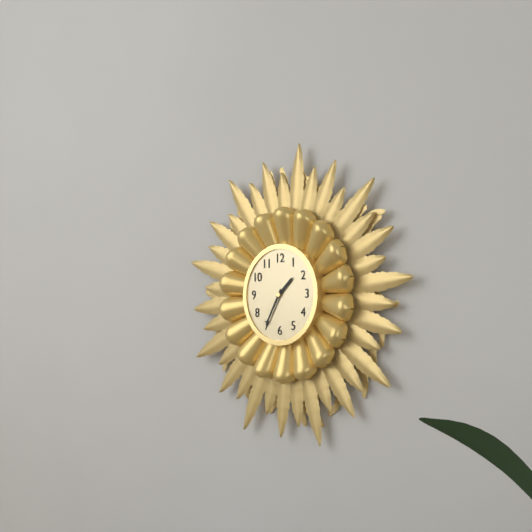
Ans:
1,35
